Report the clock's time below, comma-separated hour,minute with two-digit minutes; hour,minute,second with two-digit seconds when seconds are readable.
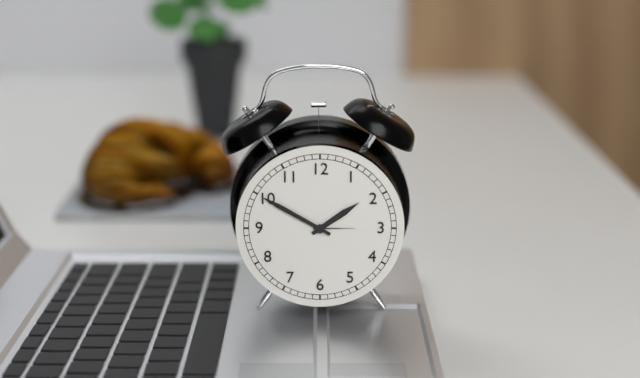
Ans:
1,50
